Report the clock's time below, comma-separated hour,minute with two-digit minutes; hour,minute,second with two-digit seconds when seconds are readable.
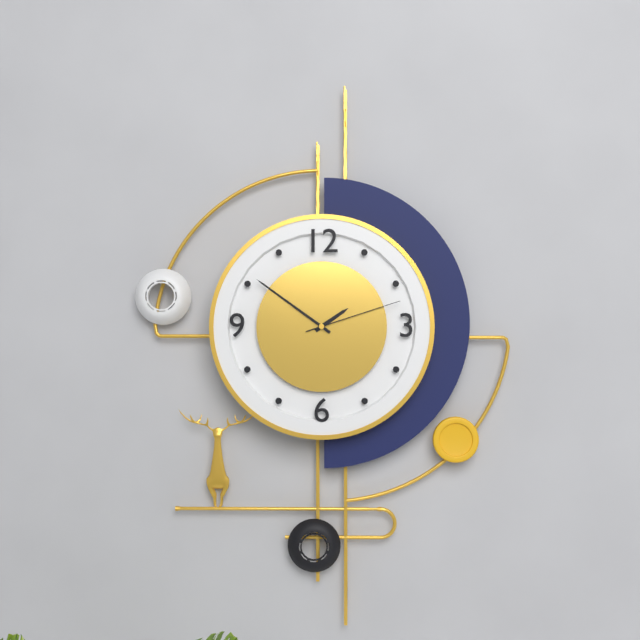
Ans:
1,51,12
